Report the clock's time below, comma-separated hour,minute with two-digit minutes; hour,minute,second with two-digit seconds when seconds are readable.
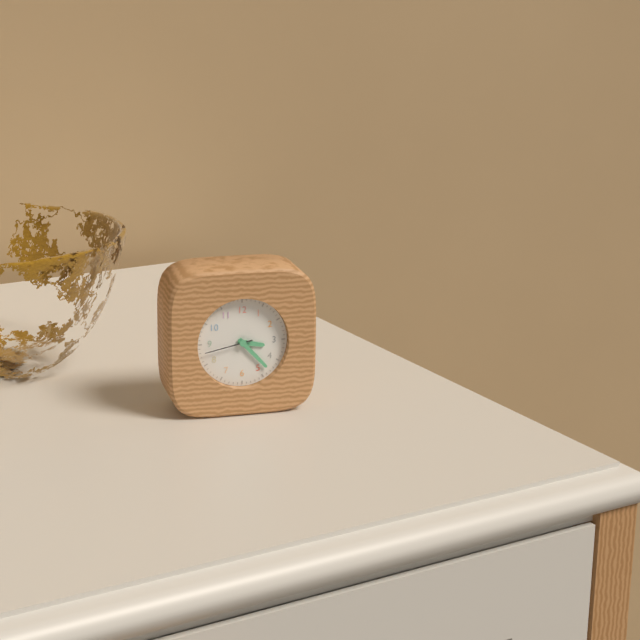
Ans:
3,23
